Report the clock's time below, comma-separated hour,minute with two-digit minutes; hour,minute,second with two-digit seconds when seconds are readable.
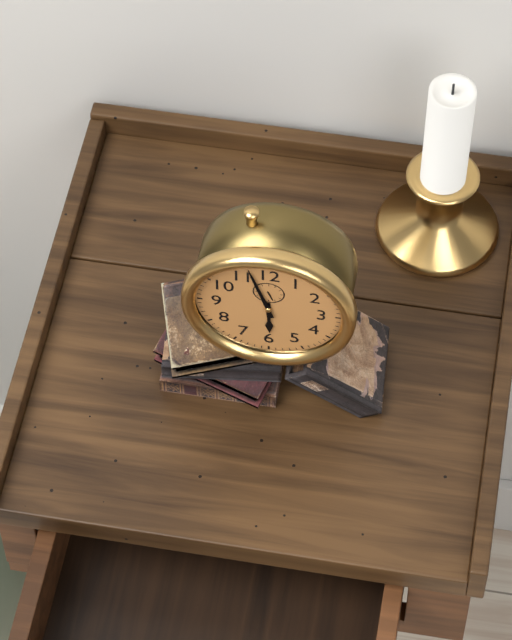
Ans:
5,57
